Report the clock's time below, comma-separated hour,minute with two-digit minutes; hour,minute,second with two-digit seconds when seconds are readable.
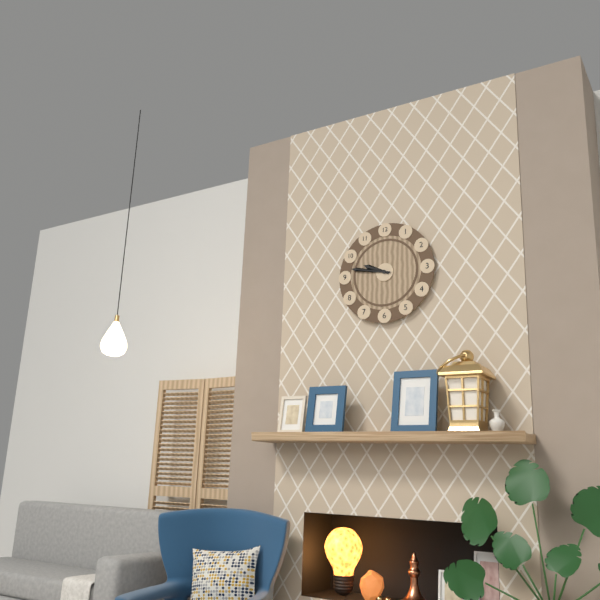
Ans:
9,47
